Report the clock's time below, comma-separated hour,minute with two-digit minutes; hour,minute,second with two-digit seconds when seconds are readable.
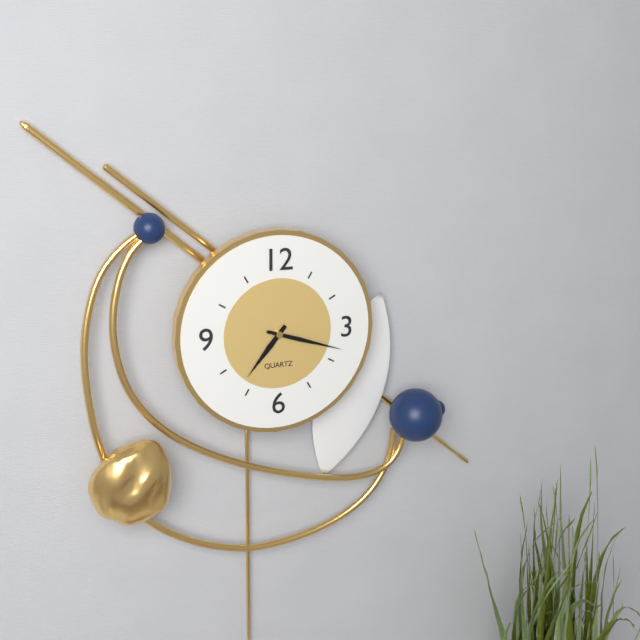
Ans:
7,18
